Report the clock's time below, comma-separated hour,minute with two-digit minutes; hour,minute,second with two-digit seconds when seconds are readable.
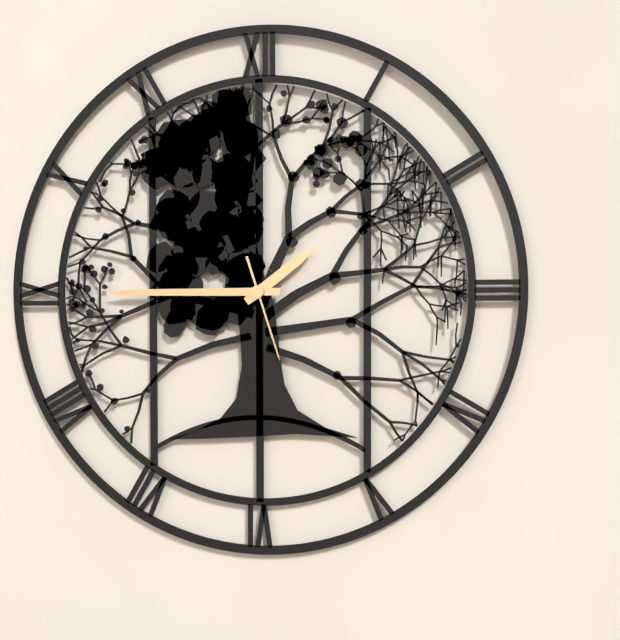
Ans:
1,45,27
